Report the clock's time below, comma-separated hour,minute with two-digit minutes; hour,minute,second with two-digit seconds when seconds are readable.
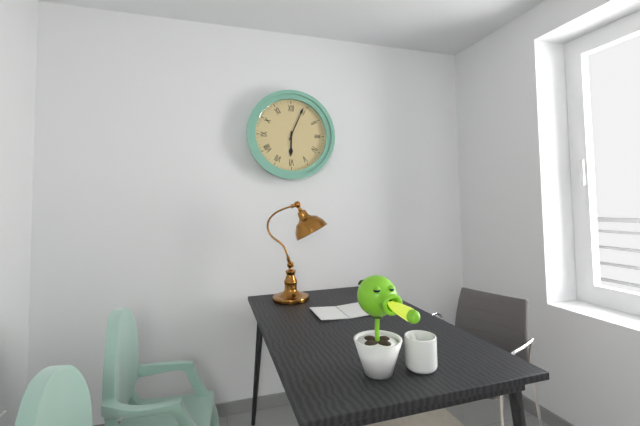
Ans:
6,04
